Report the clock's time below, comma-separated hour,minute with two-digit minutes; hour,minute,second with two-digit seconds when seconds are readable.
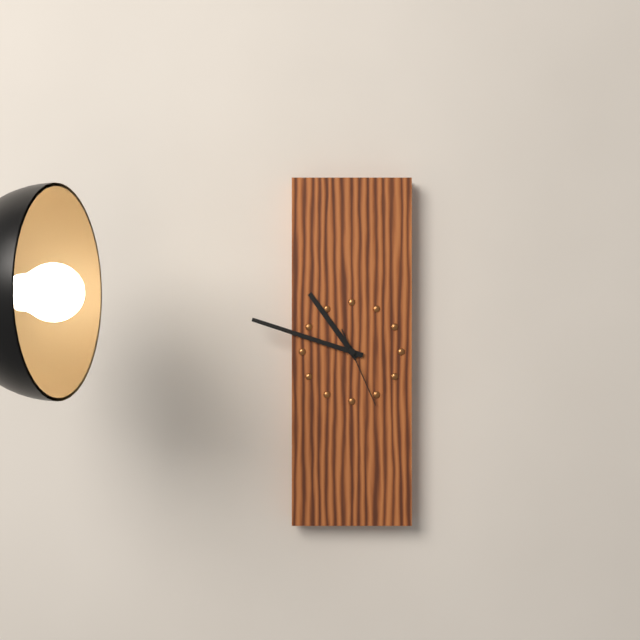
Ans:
10,48,26
